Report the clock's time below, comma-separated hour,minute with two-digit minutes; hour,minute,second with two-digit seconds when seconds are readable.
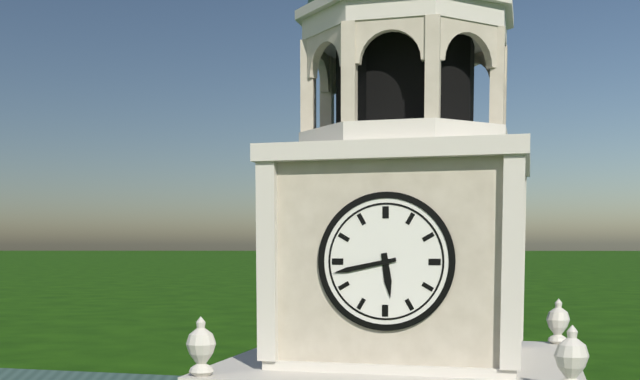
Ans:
5,43
